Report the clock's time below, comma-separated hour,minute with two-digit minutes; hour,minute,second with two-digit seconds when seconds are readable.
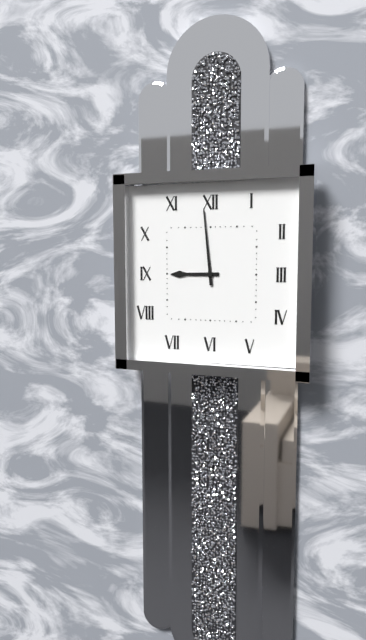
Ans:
8,59
